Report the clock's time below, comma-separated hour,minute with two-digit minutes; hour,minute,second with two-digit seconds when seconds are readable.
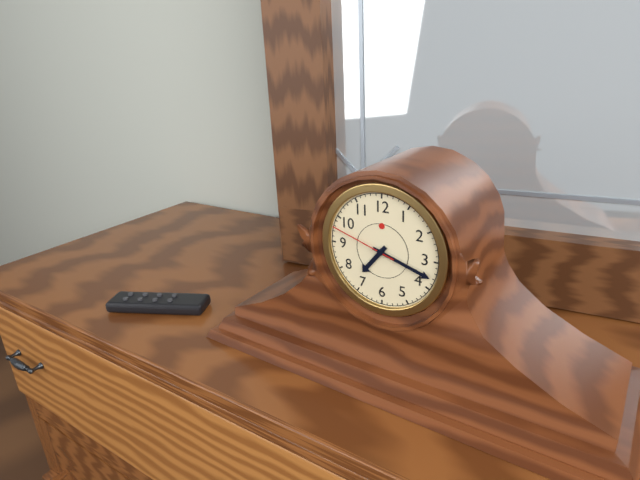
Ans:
7,18,48
